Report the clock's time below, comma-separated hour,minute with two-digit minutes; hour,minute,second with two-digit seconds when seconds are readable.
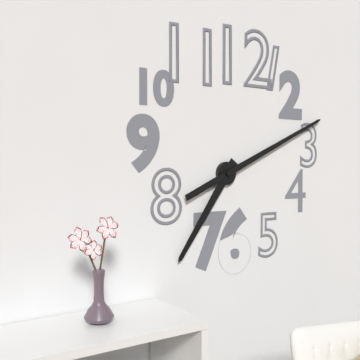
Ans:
7,11
